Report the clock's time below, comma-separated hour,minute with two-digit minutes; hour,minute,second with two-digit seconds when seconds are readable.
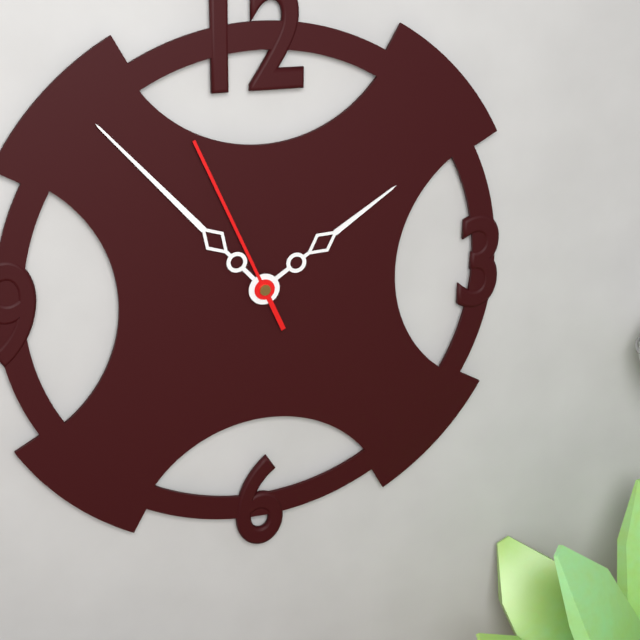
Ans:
1,53,56
